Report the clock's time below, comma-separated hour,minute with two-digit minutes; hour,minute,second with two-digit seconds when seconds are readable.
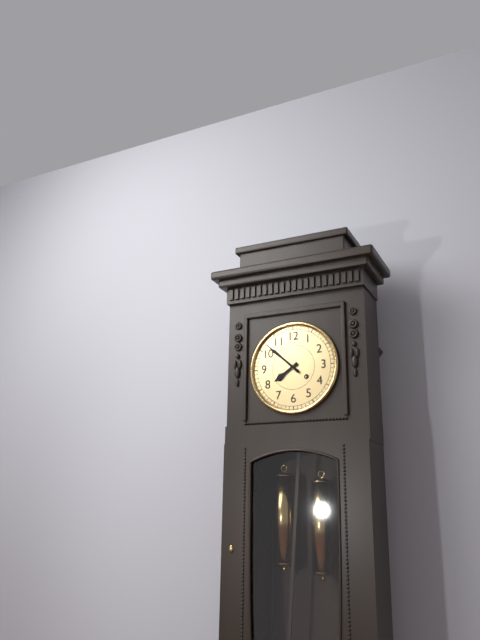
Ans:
7,52
